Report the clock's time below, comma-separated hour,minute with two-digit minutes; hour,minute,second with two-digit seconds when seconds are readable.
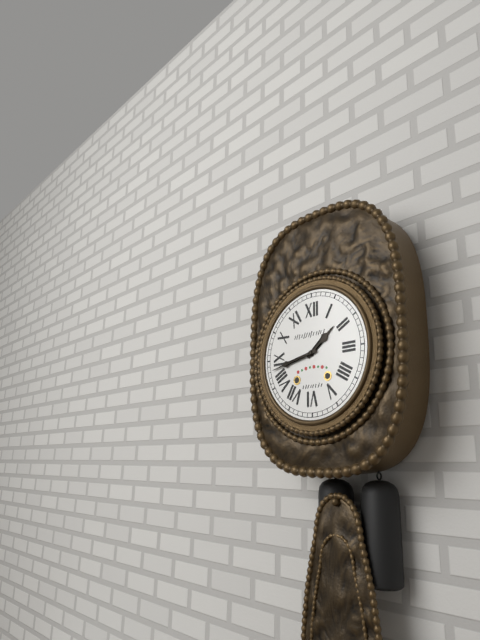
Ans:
1,43
